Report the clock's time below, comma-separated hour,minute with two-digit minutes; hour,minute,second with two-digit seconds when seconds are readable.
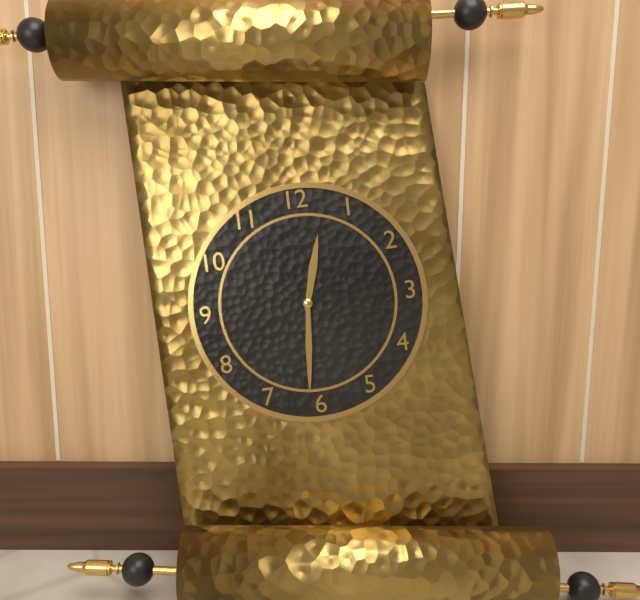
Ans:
12,31
